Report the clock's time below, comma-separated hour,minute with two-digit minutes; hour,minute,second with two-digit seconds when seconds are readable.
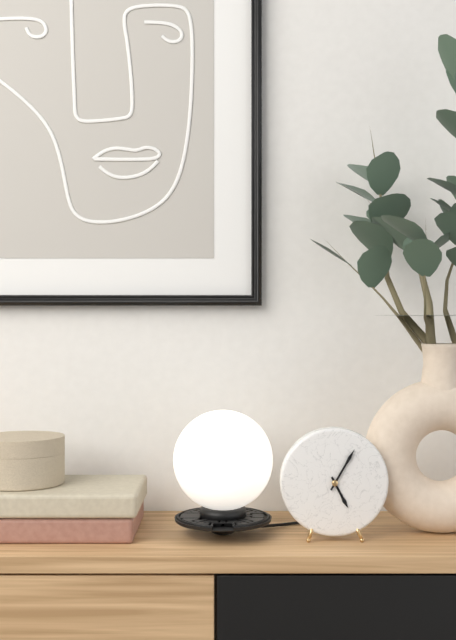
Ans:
5,05
